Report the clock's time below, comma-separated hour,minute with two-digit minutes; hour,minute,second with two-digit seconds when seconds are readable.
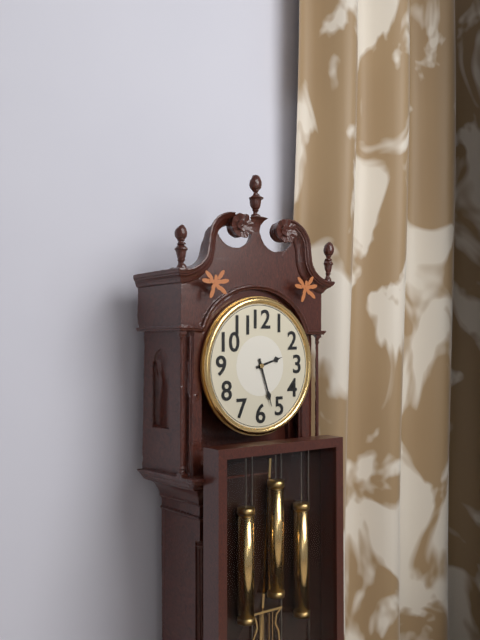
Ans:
2,27
